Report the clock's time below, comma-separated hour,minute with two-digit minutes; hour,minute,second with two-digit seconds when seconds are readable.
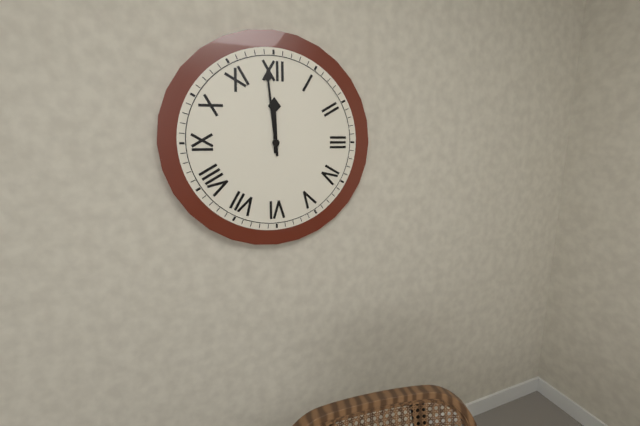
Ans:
11,59
